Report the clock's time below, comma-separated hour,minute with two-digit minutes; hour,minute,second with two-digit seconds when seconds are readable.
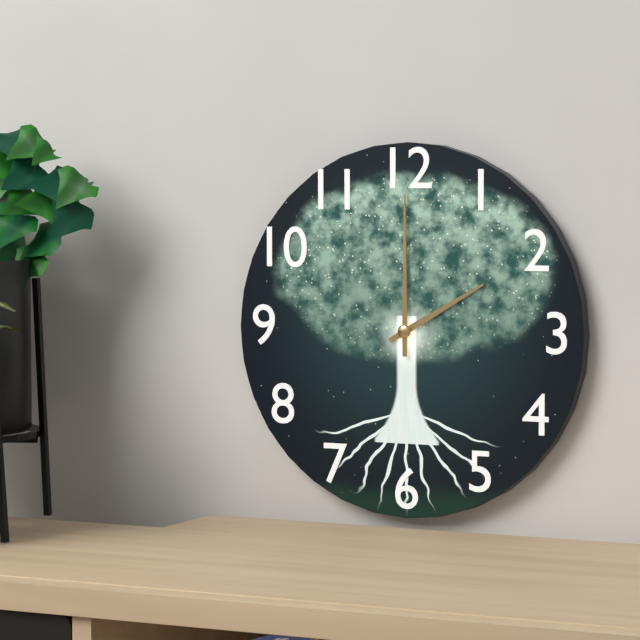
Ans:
2,00
